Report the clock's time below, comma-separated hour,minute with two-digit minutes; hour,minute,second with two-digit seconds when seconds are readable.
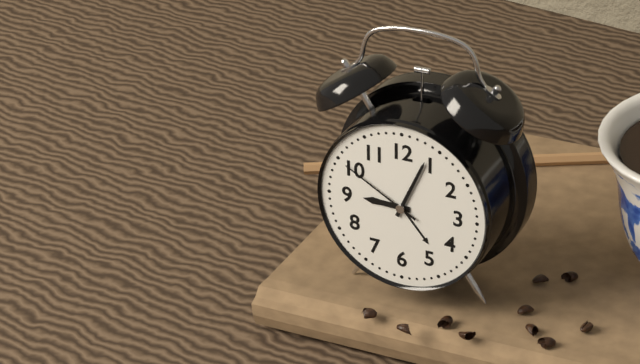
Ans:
9,04,50
